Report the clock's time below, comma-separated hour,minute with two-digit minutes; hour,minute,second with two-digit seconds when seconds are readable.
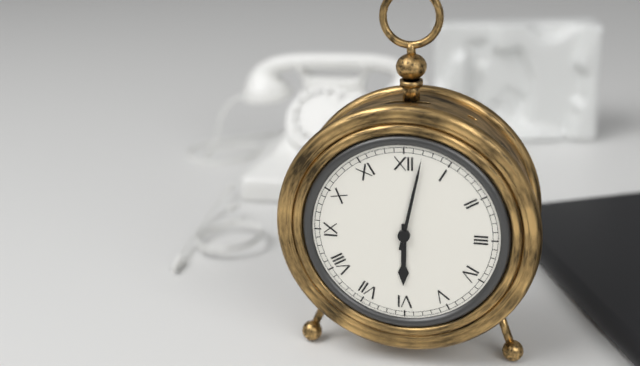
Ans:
6,02
